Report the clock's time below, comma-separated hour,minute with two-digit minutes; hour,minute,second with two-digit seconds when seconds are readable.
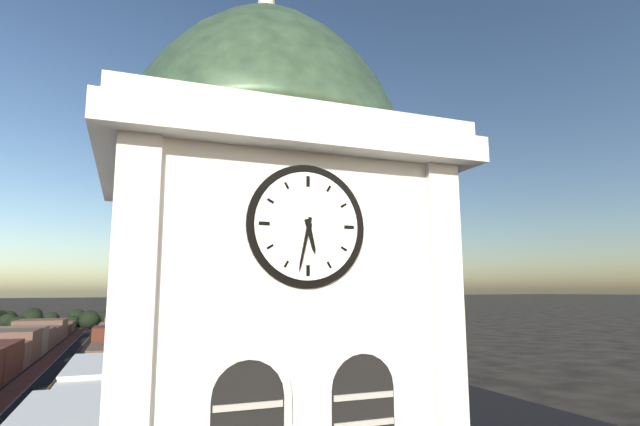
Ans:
5,32
